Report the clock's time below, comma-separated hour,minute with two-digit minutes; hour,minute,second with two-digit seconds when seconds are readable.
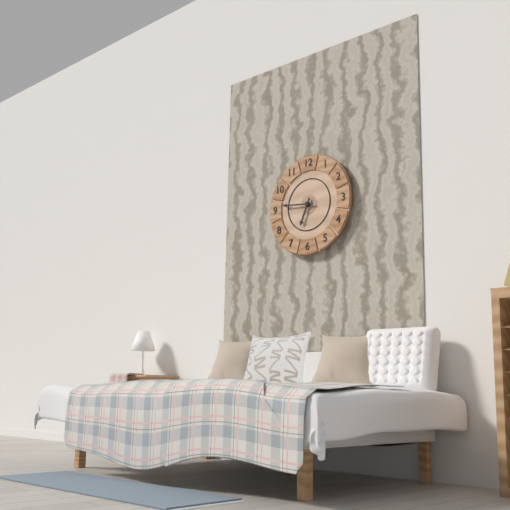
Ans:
6,46
